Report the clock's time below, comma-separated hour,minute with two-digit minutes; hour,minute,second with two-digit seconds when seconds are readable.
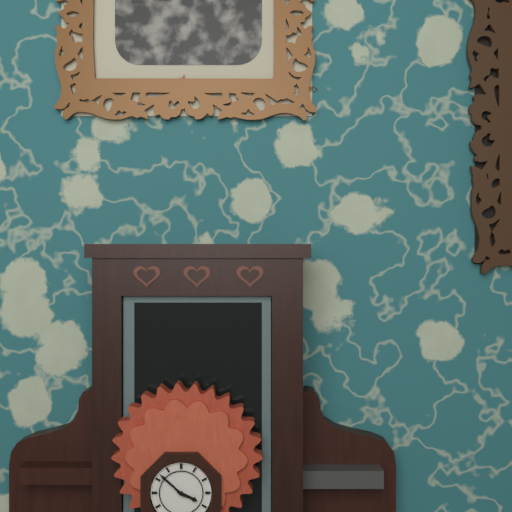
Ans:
3,52
